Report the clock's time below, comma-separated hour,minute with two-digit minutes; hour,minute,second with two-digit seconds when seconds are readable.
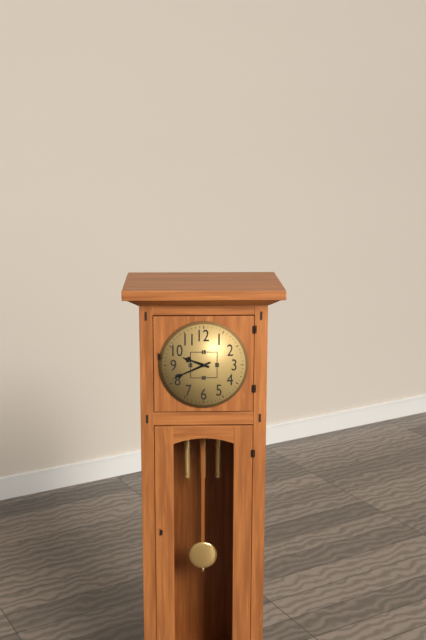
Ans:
9,41
